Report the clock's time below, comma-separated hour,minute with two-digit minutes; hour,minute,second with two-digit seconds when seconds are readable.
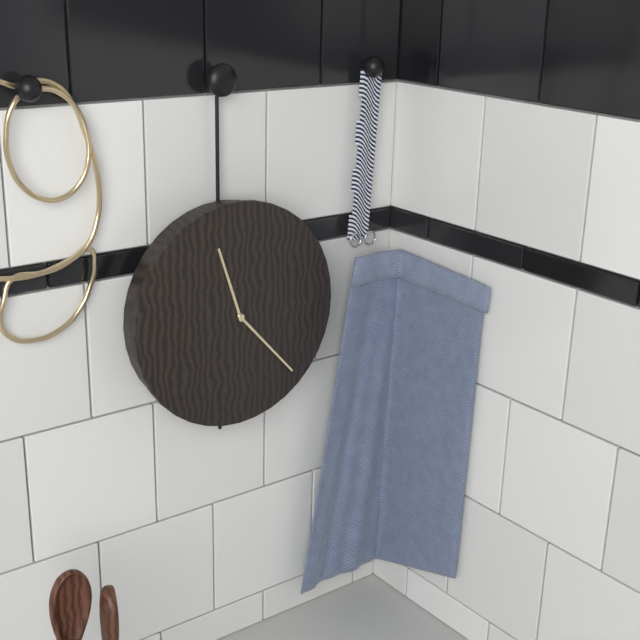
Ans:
11,23
